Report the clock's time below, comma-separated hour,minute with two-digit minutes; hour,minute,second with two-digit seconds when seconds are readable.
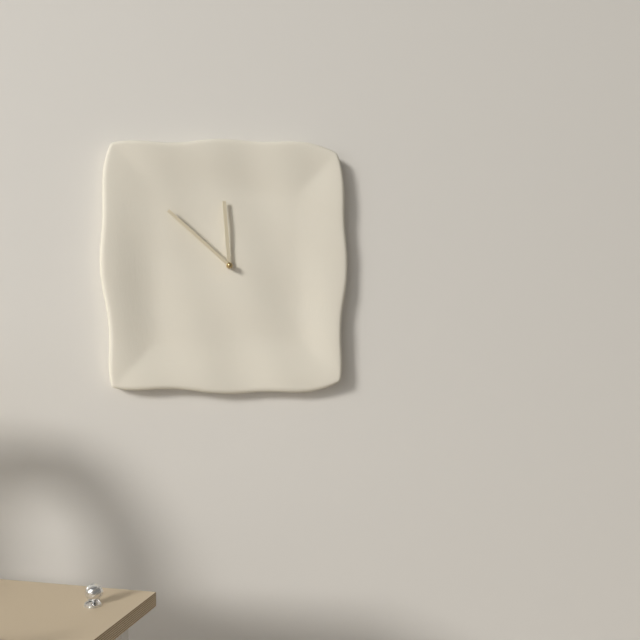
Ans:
11,52
